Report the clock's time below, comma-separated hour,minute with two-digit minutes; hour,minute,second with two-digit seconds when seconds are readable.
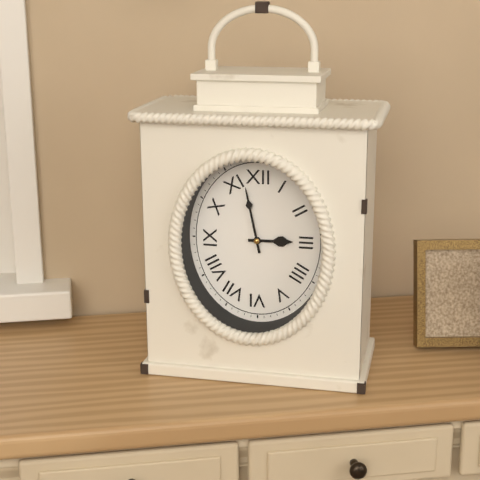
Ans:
2,58
